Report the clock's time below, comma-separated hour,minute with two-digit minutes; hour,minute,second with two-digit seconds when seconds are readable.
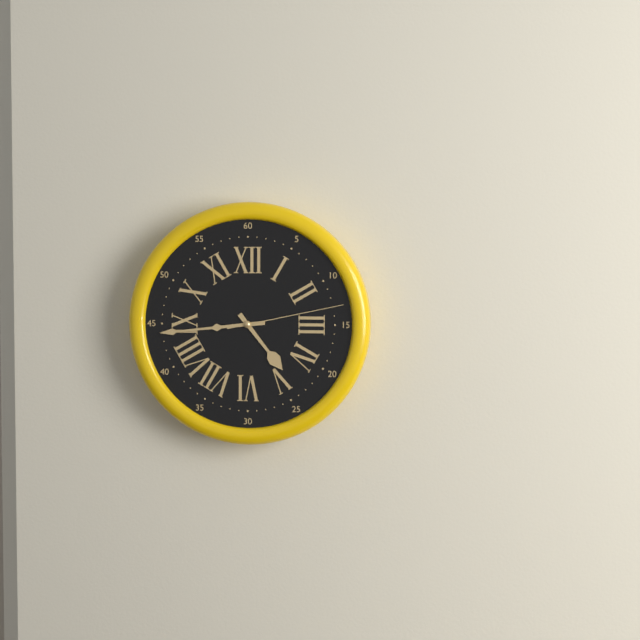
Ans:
4,44,13
